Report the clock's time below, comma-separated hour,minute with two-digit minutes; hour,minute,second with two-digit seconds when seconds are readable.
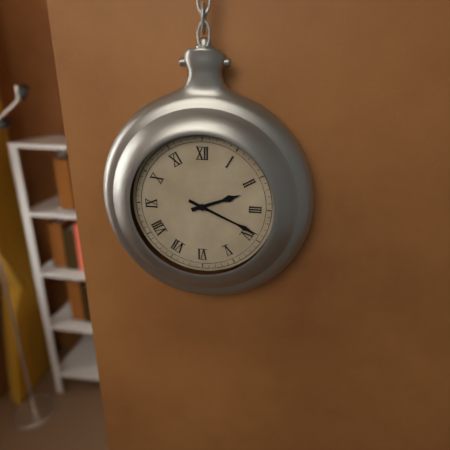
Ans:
2,19
